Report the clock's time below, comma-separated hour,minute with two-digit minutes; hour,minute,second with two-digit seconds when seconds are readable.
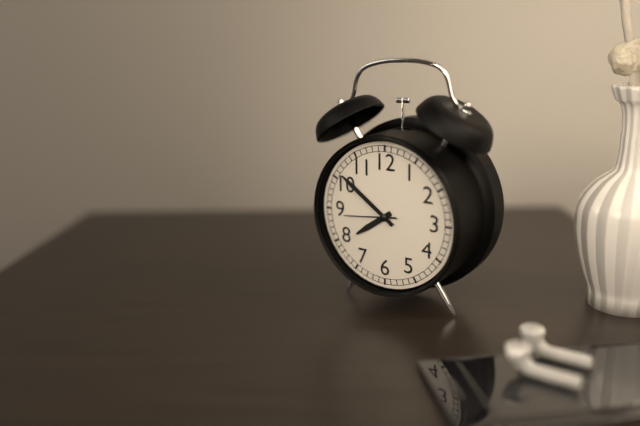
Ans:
7,51,44
